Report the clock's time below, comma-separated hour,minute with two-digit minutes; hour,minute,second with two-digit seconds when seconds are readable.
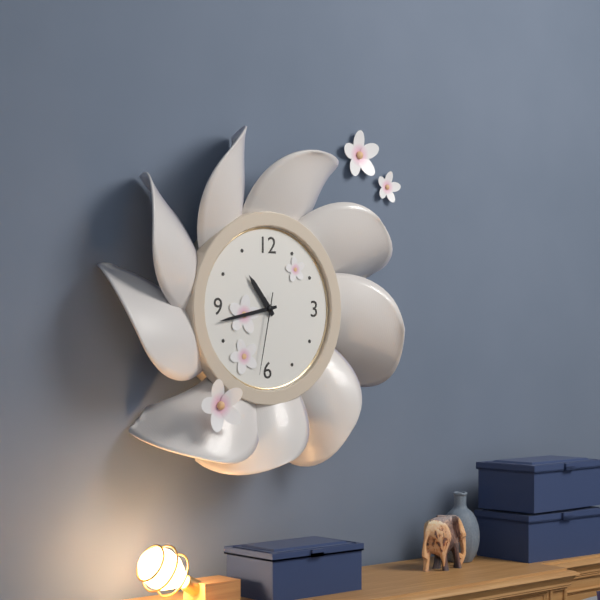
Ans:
10,43,32
